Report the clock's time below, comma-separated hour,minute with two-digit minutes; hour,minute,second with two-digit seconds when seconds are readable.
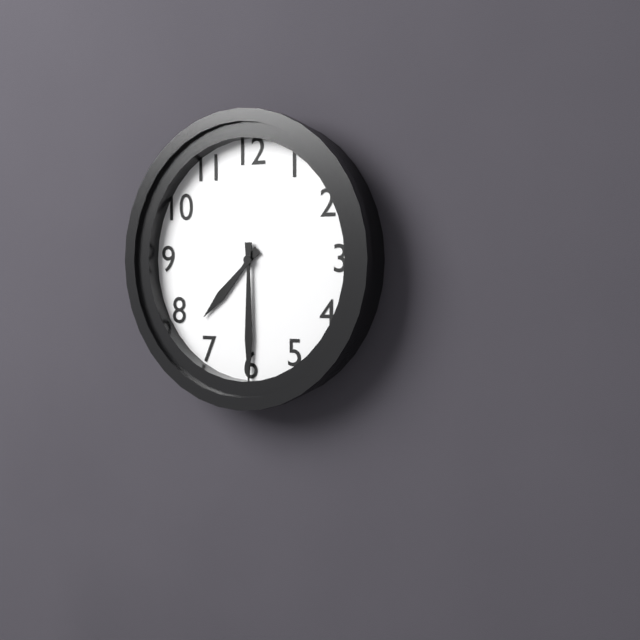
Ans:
7,30
